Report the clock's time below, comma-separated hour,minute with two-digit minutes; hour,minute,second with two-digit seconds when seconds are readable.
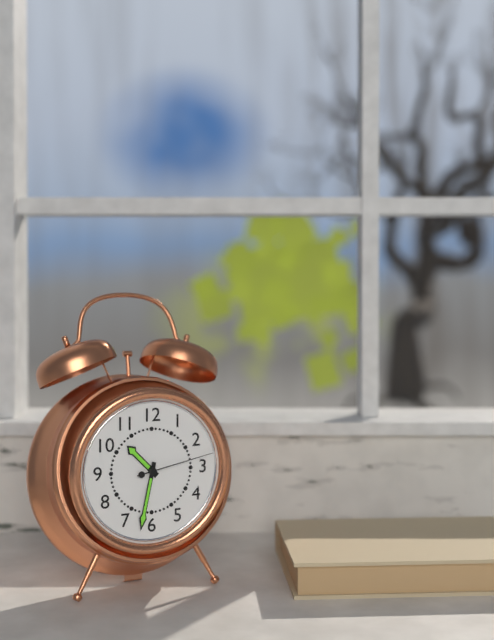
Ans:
10,32,13
